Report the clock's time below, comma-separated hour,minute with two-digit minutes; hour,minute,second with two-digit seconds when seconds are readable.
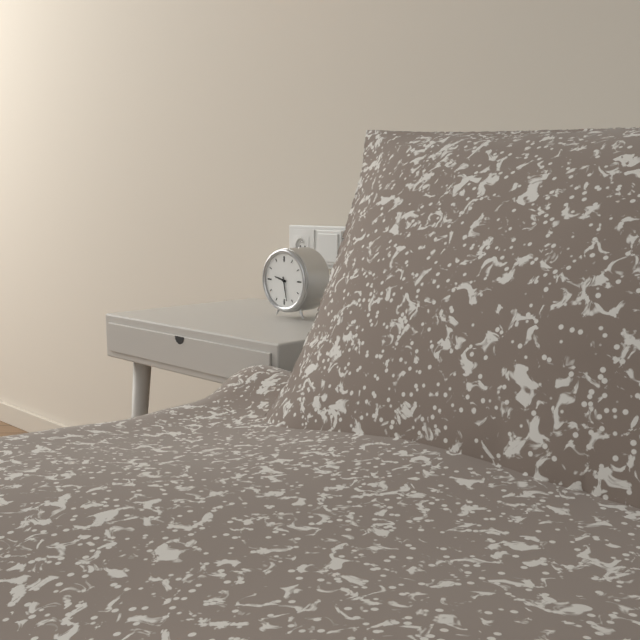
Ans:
9,28
